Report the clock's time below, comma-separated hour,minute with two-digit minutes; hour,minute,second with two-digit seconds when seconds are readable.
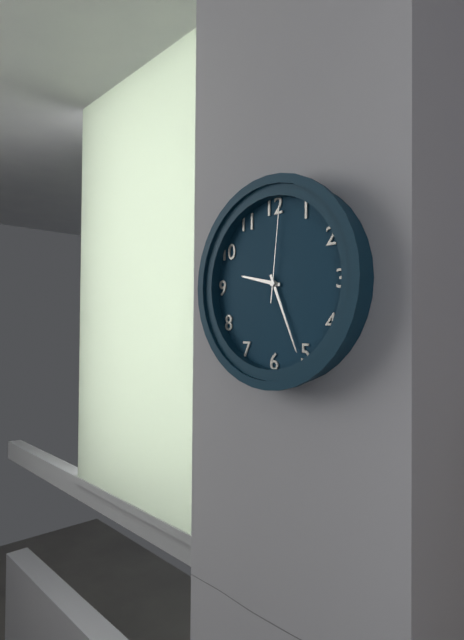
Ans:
9,26,01
